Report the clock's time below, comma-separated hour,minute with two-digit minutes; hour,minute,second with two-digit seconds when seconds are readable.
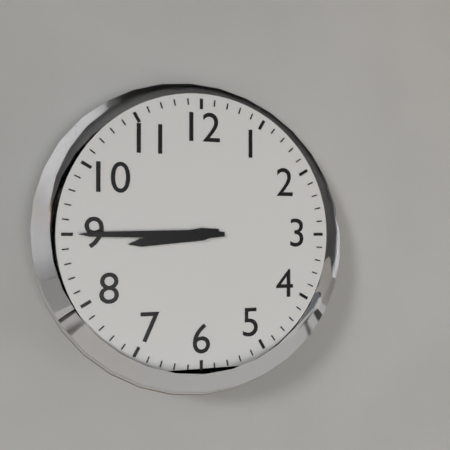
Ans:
8,45
